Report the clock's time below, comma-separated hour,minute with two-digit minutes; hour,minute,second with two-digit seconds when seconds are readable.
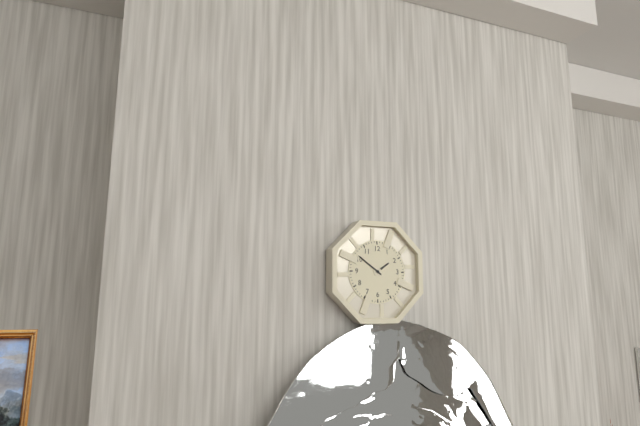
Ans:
1,51
